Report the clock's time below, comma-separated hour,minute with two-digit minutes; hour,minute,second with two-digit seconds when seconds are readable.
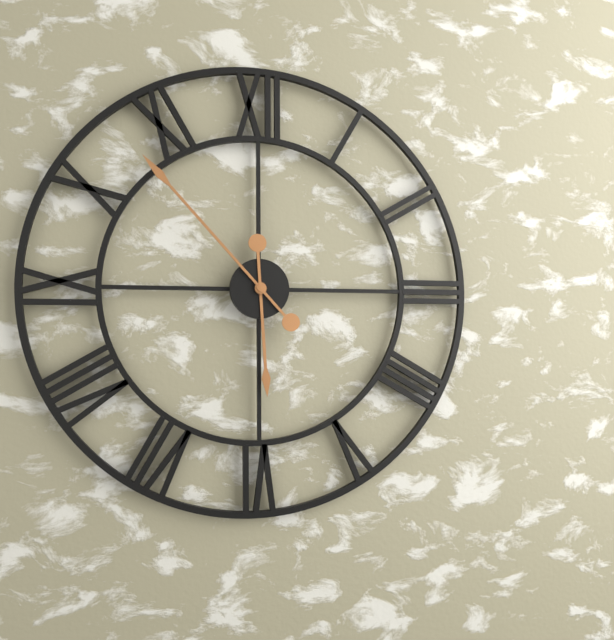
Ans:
5,53
